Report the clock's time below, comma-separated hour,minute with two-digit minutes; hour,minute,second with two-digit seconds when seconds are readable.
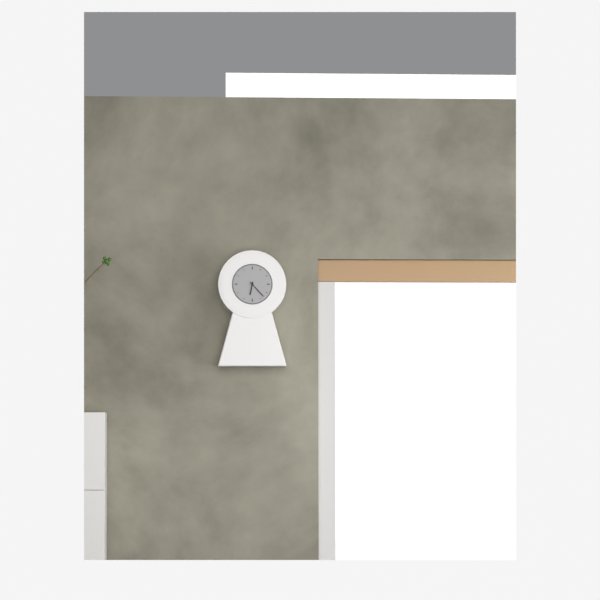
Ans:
6,23
